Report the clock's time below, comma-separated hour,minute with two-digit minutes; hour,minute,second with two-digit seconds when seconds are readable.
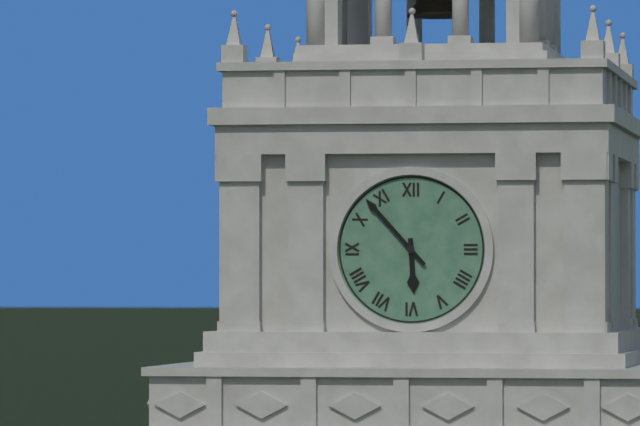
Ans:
5,53
